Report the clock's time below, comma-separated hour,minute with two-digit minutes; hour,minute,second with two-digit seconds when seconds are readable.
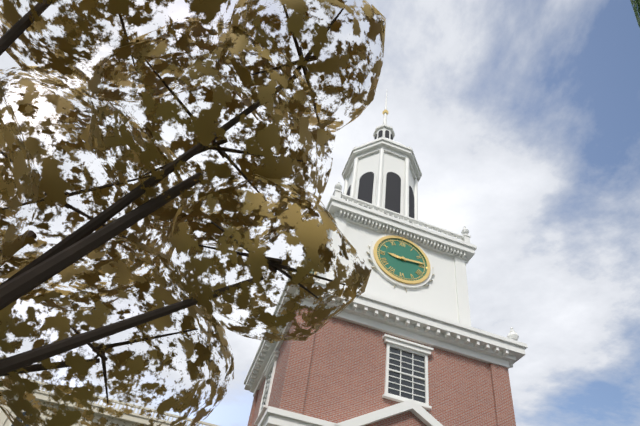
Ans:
9,14
